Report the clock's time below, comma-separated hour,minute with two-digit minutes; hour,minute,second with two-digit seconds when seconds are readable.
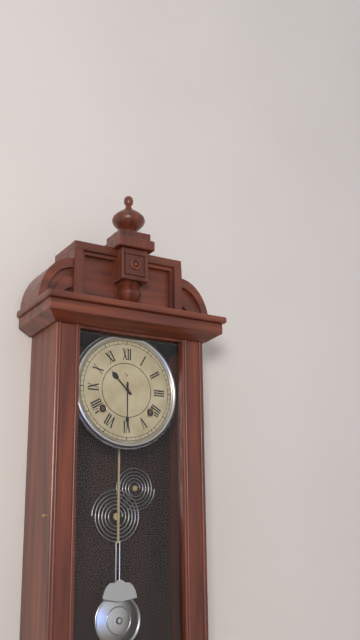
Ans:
10,30
